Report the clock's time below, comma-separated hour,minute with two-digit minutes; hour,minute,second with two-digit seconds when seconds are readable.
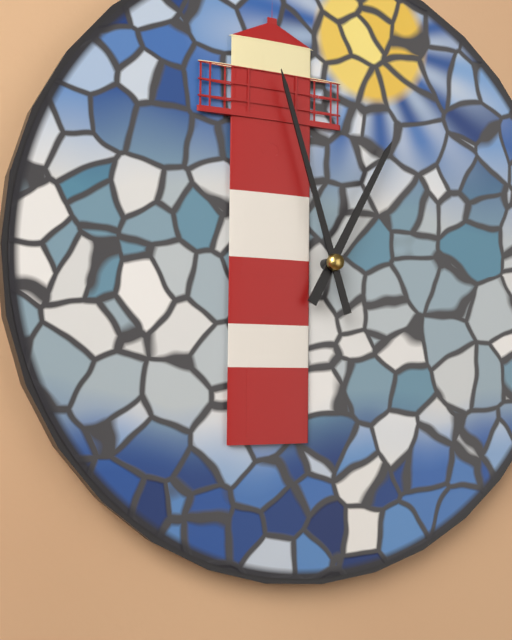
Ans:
12,57
